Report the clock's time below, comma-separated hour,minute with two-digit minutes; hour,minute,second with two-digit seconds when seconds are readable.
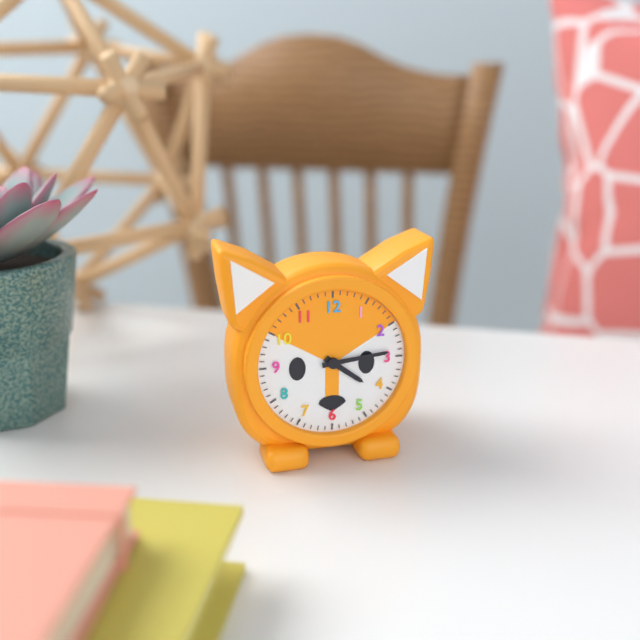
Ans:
4,14
